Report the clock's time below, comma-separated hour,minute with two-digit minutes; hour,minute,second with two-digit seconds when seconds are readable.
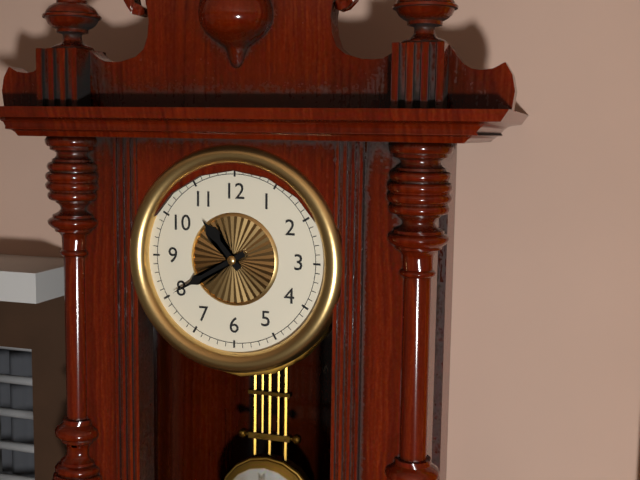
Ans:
10,40
